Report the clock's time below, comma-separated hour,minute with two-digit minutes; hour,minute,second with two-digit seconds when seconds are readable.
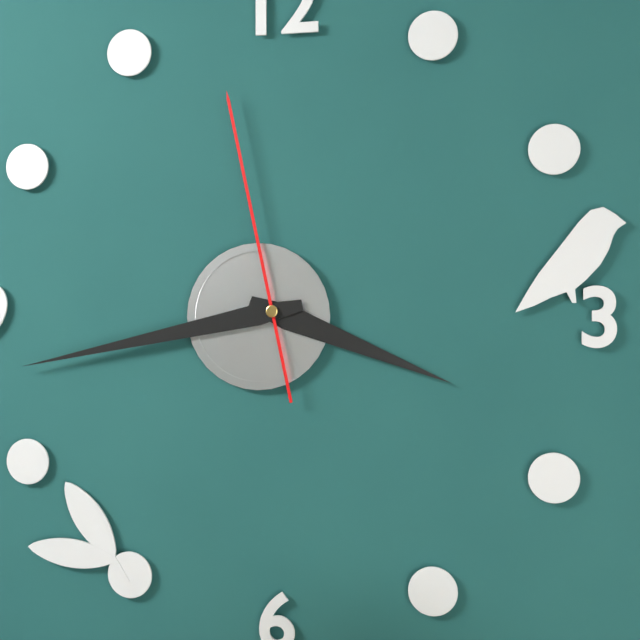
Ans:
3,43,58
